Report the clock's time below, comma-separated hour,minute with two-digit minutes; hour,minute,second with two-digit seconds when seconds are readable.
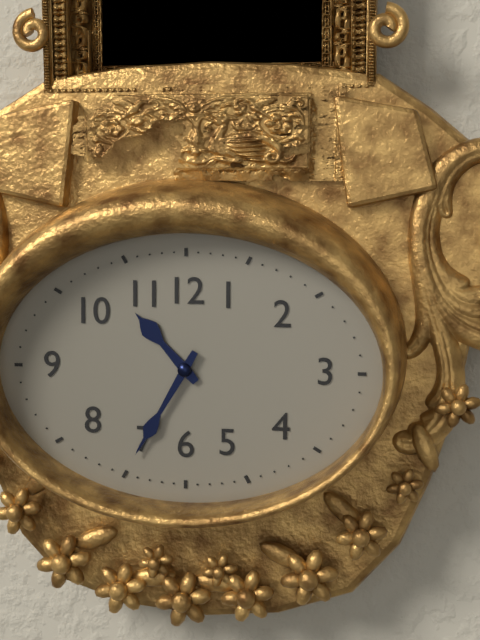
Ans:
10,35
